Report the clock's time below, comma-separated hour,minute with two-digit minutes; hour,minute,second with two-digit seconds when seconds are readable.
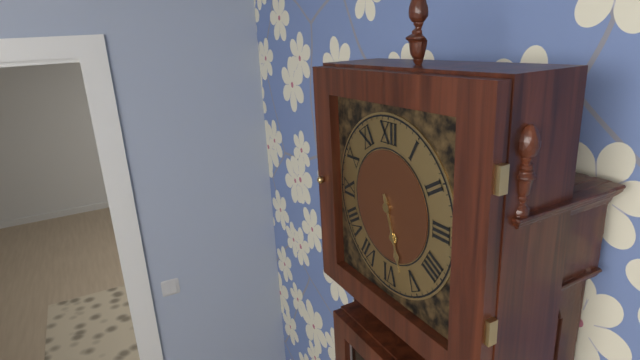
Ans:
5,27
